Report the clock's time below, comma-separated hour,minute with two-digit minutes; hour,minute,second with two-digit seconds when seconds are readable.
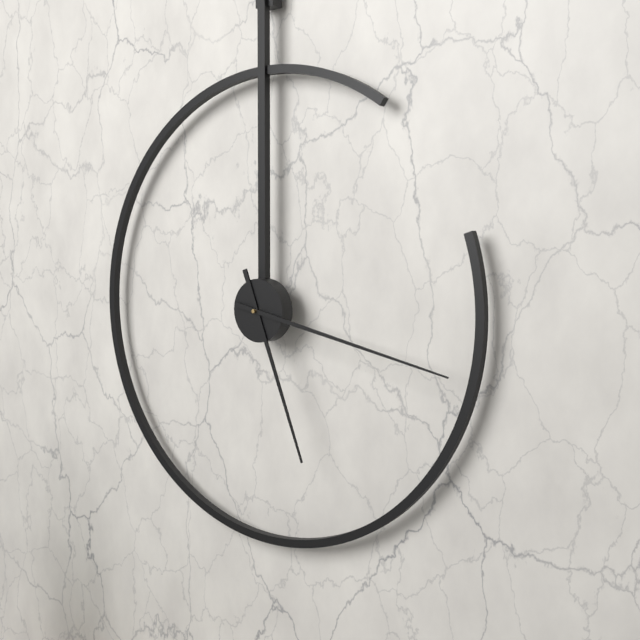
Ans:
5,17
